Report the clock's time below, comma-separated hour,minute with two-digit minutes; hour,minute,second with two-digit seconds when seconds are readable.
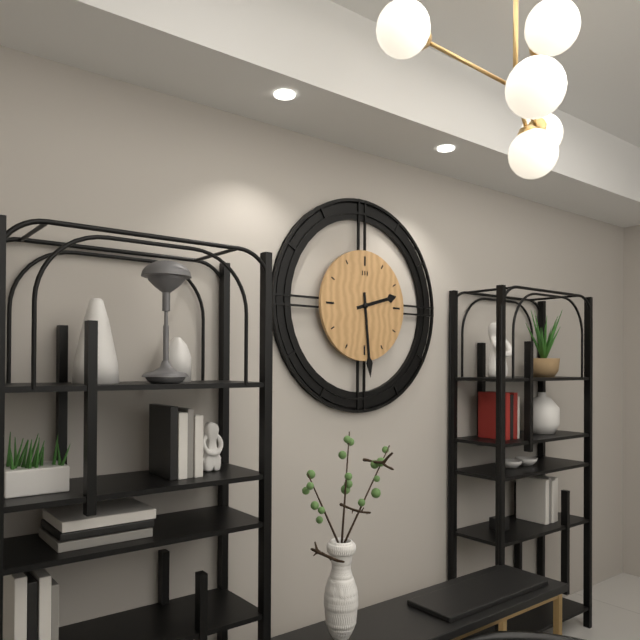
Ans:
2,29
